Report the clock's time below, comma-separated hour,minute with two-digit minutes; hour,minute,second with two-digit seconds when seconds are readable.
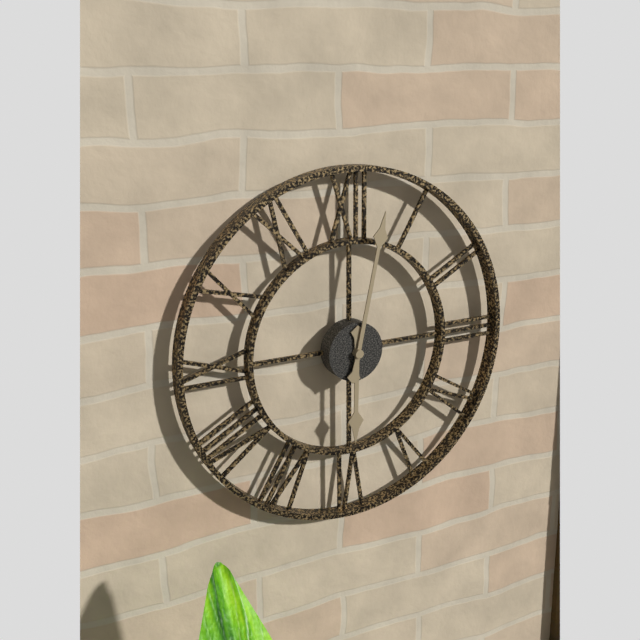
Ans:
6,02
